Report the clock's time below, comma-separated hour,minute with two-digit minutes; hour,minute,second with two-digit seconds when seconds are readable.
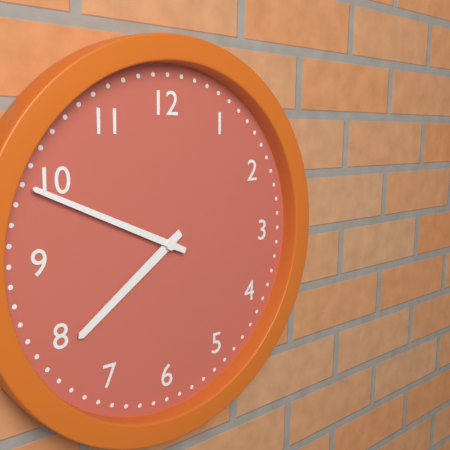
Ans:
7,49
